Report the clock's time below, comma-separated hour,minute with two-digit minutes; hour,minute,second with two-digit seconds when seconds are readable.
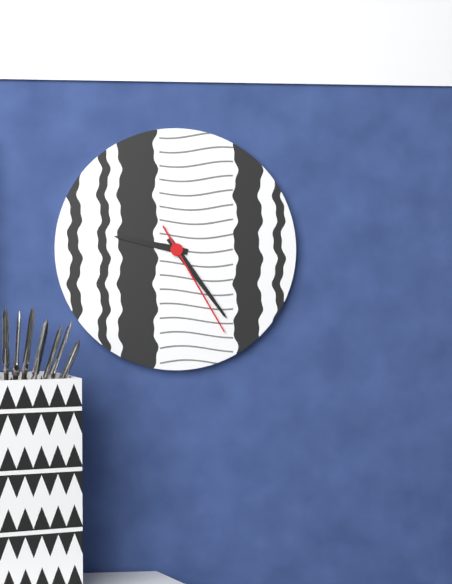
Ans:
9,24,25
